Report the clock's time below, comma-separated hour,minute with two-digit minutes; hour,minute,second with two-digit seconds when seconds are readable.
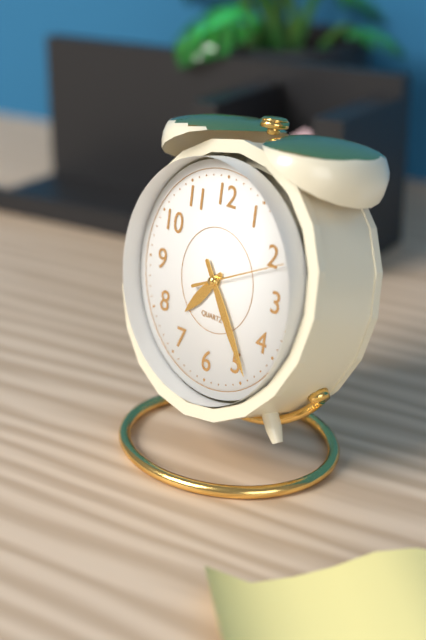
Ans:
7,24,11
